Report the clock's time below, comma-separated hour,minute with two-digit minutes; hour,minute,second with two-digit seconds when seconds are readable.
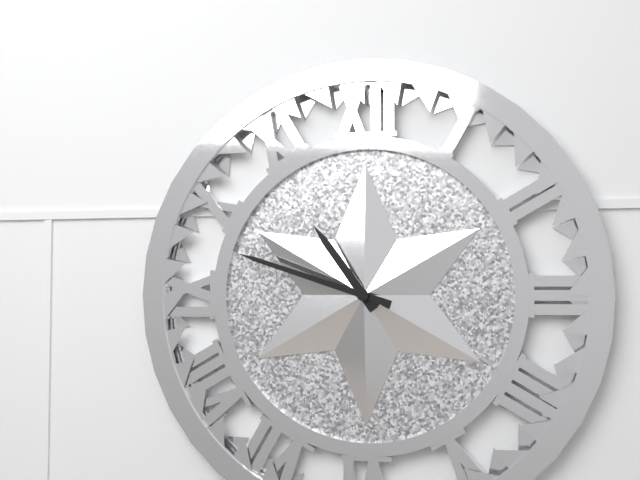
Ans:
10,48
